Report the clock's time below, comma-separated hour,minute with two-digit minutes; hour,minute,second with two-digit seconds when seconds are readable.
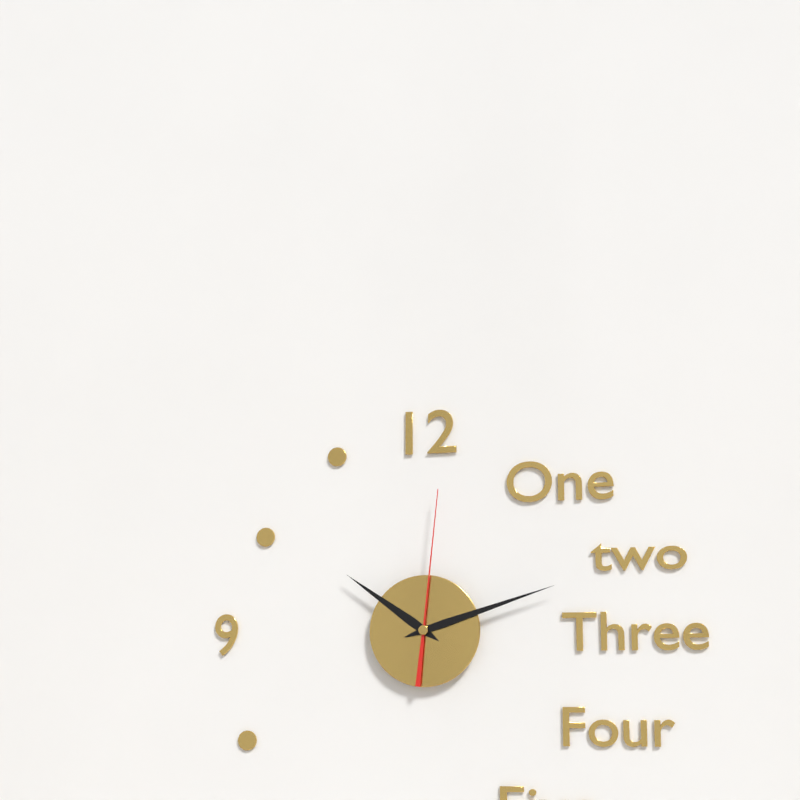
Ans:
10,12,01
